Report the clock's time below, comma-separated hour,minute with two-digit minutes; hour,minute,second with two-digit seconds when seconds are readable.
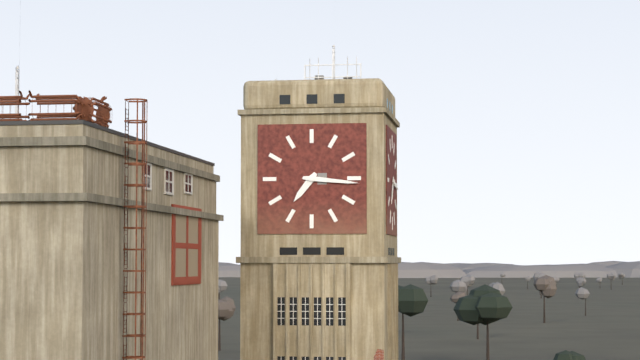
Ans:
7,16
